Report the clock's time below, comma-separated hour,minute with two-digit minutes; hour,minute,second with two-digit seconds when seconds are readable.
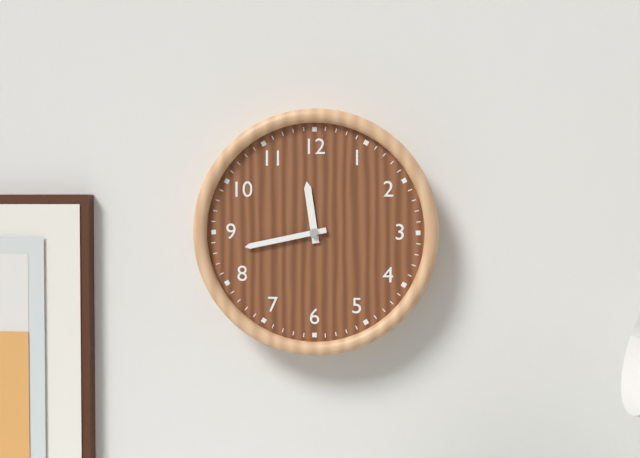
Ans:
11,43
